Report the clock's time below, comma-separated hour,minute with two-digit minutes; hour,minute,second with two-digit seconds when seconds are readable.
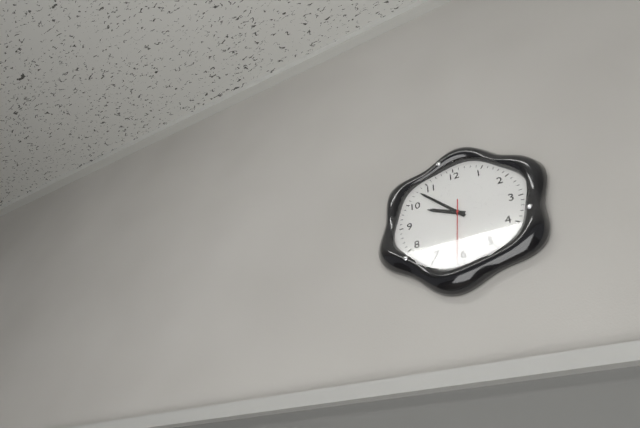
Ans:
9,53,31
